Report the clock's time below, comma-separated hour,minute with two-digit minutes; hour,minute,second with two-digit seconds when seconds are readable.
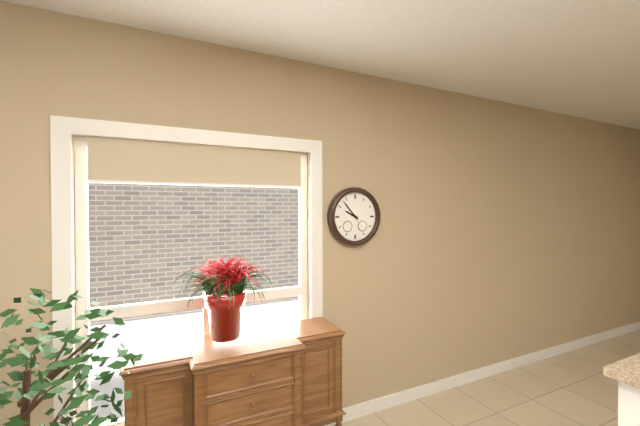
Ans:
9,53
